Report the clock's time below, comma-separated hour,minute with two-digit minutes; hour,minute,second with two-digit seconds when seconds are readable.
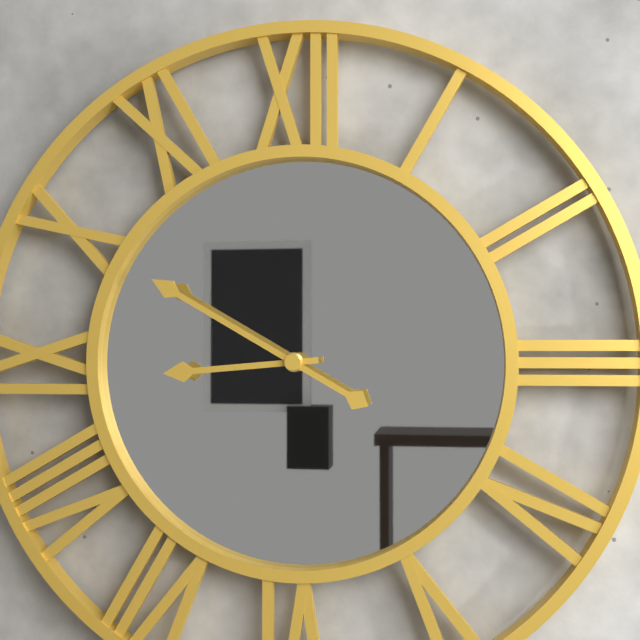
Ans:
8,50
